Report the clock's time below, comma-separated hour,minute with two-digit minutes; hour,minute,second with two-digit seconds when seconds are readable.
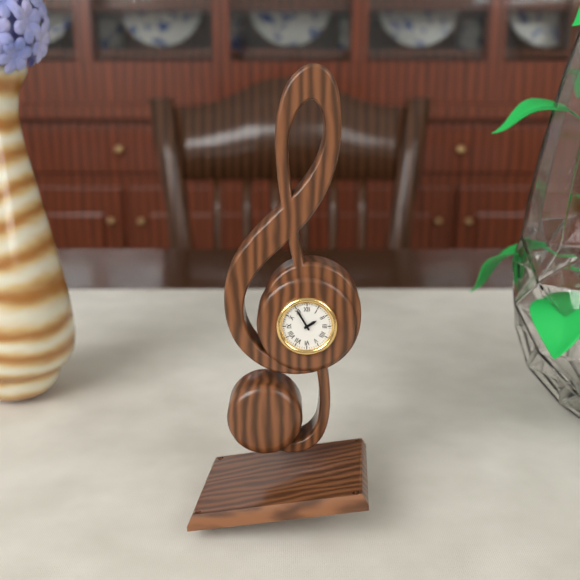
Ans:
1,55
